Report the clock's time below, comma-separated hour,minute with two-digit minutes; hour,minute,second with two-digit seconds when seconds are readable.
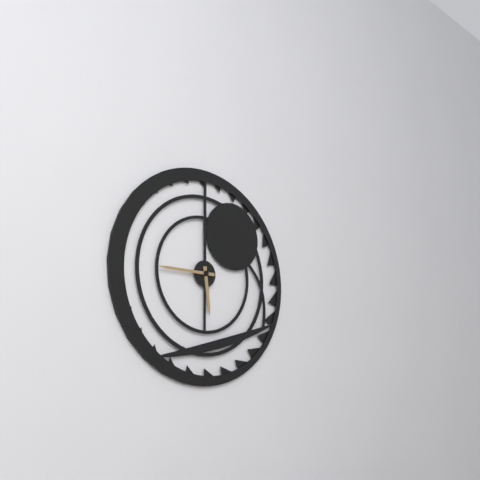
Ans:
5,45
